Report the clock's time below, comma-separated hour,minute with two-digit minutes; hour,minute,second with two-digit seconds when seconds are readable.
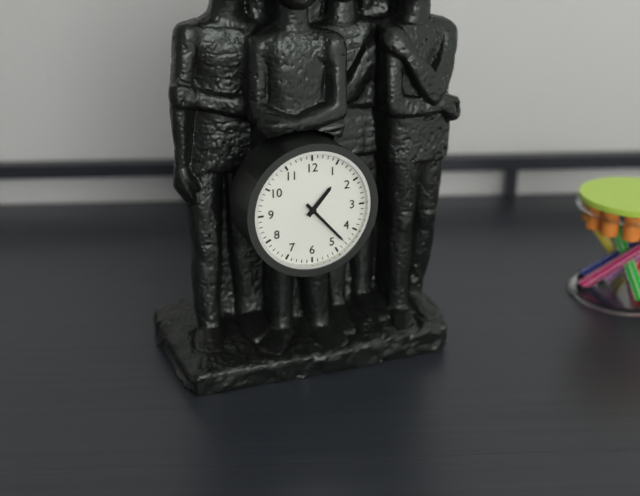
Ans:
1,23
